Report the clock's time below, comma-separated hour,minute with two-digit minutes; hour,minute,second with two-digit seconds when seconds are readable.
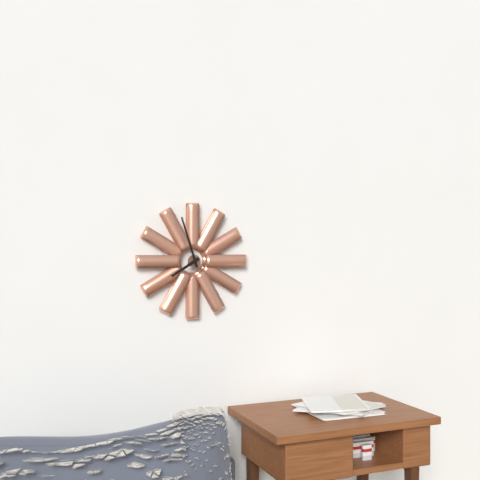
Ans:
7,57
